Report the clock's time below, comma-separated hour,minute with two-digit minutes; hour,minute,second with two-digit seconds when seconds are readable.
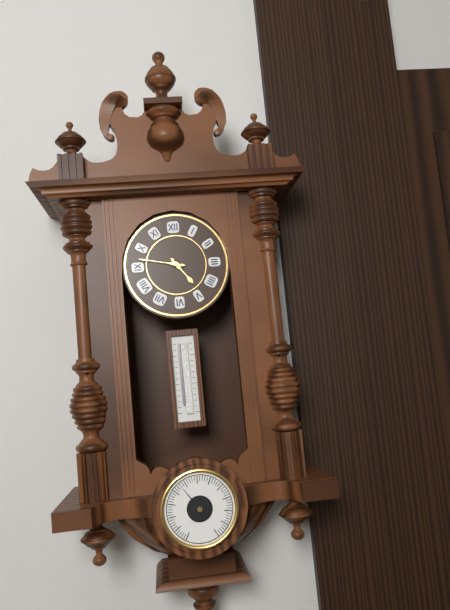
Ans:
4,47
